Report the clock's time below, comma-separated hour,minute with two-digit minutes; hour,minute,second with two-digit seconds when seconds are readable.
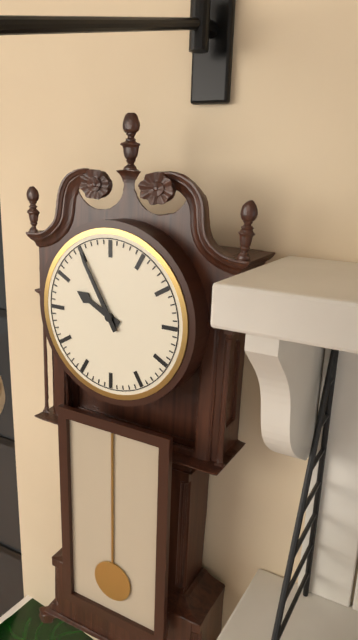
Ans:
9,55
